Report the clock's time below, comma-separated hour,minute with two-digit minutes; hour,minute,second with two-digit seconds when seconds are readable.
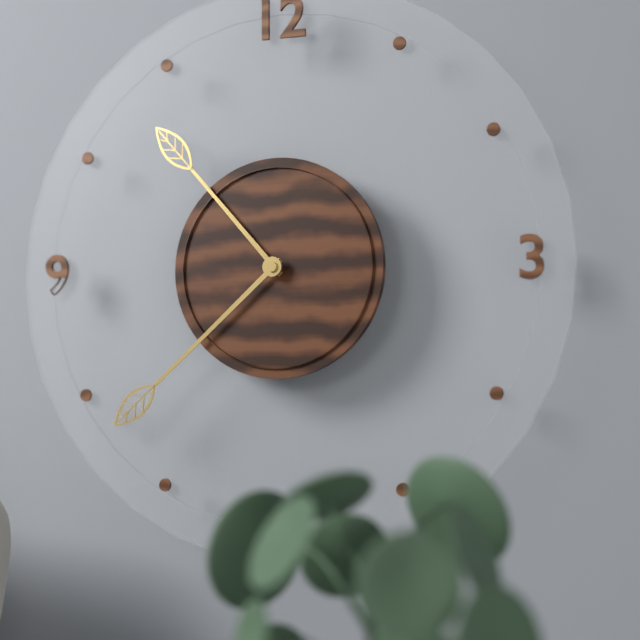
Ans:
10,38
